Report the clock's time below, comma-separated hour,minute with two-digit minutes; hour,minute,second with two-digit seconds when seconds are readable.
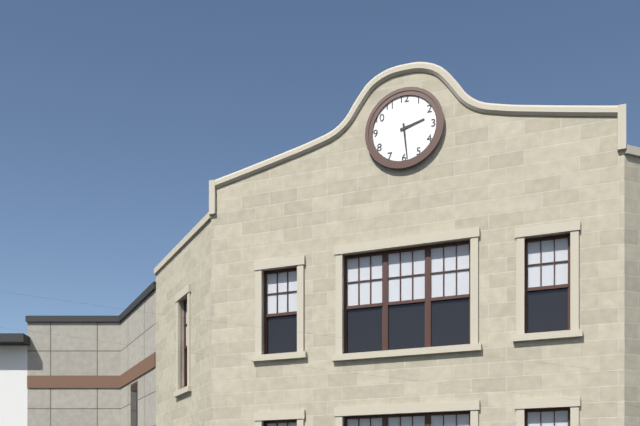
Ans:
2,29
